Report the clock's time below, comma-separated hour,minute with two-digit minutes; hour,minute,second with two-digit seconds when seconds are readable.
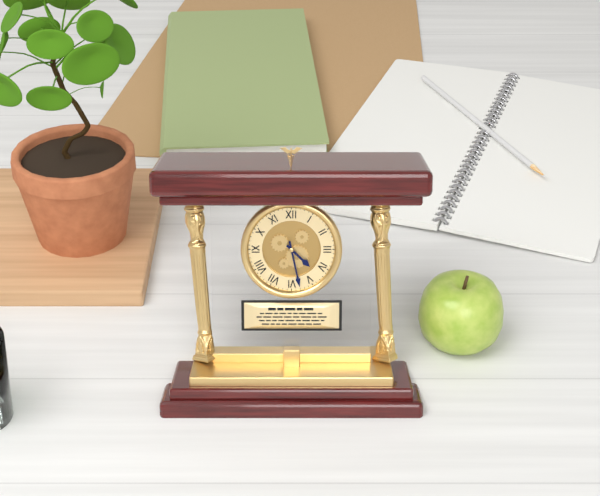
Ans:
4,28
